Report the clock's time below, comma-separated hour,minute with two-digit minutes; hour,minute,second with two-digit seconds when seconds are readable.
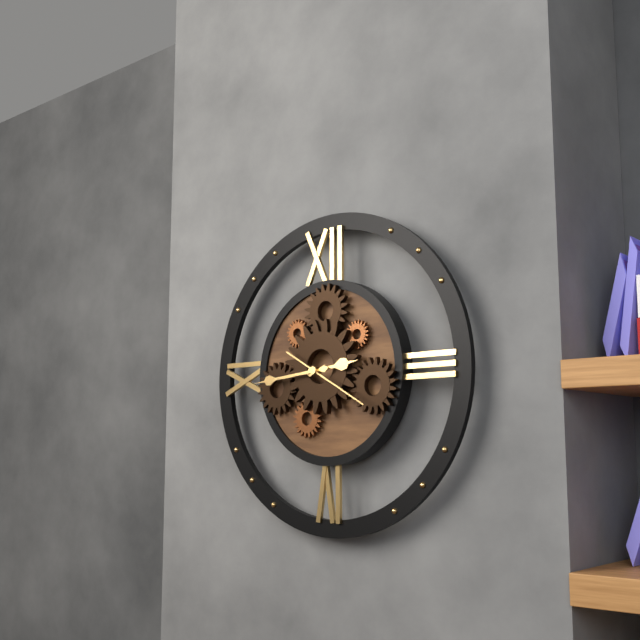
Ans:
2,44,20
